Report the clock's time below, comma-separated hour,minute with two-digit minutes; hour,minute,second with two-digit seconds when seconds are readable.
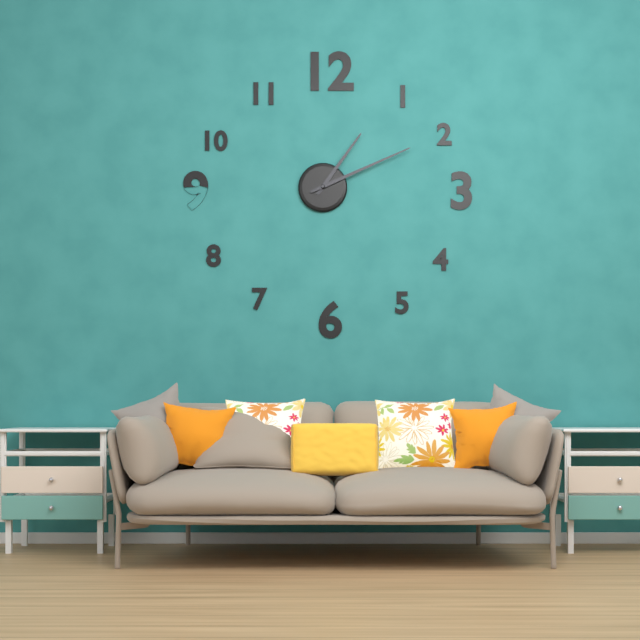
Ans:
1,11
